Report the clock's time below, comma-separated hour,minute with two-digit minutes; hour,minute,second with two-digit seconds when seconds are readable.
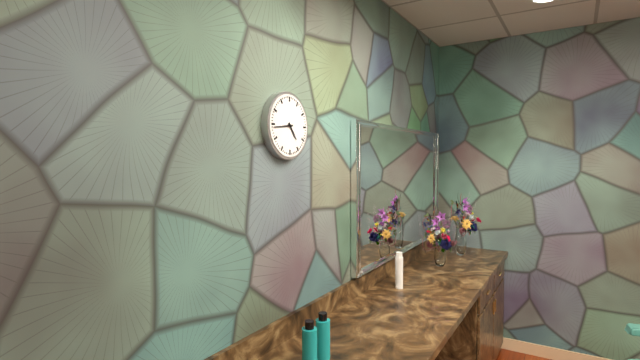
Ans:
4,44
